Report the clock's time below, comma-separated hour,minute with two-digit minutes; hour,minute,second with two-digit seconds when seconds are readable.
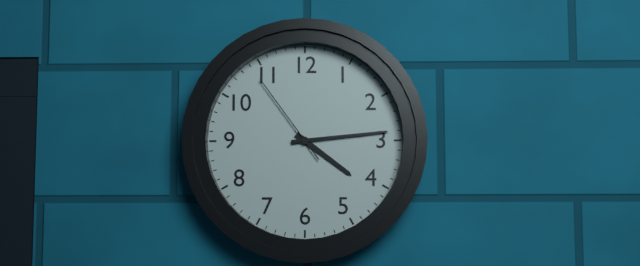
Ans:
4,14,54
